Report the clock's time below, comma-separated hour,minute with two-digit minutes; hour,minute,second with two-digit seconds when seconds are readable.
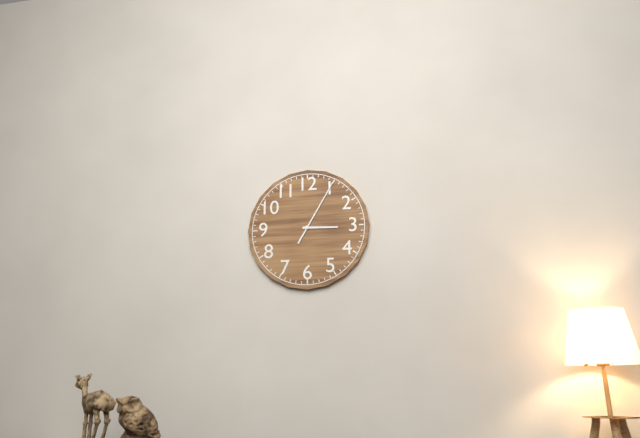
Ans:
3,05
